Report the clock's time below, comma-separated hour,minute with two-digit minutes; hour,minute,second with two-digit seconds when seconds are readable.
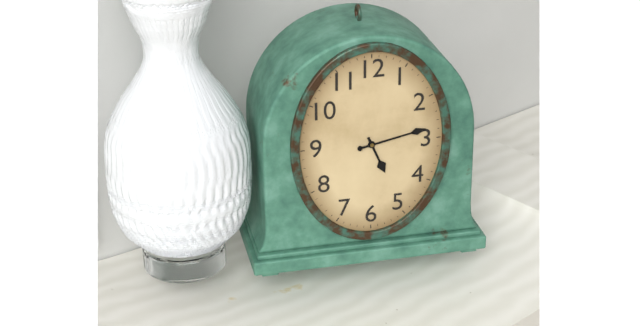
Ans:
5,13
